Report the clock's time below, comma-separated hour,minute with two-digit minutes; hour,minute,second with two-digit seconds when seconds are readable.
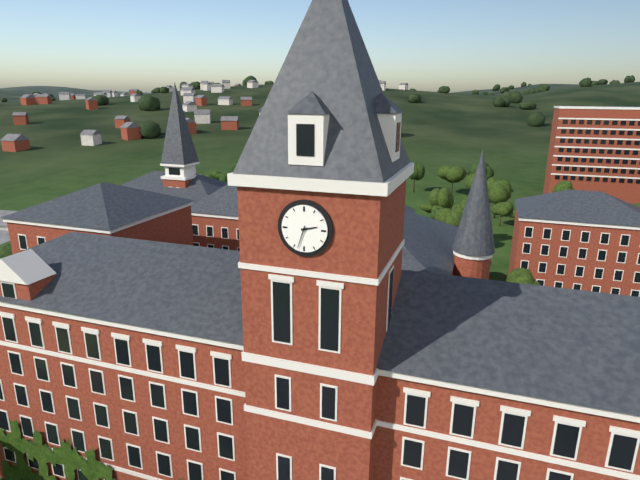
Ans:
2,33
